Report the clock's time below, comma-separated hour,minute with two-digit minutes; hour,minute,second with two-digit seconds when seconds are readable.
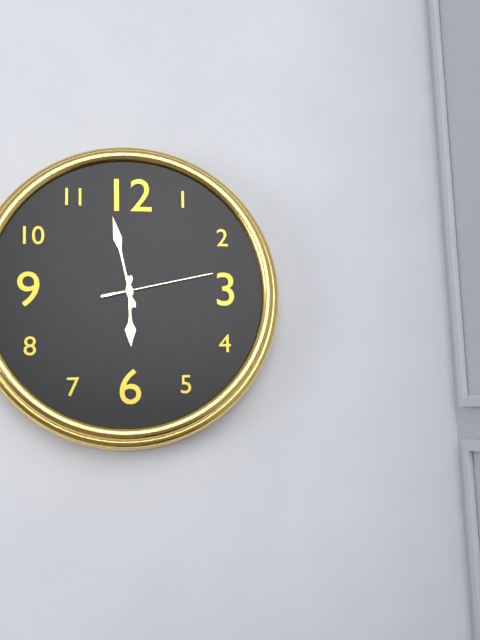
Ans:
5,58,13
